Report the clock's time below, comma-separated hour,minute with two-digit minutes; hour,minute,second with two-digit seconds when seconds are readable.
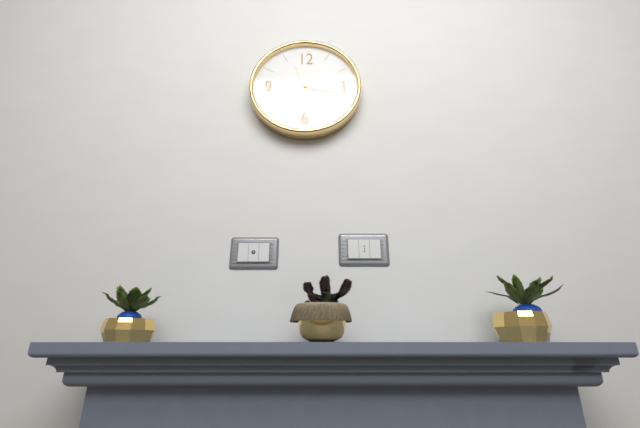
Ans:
11,17
